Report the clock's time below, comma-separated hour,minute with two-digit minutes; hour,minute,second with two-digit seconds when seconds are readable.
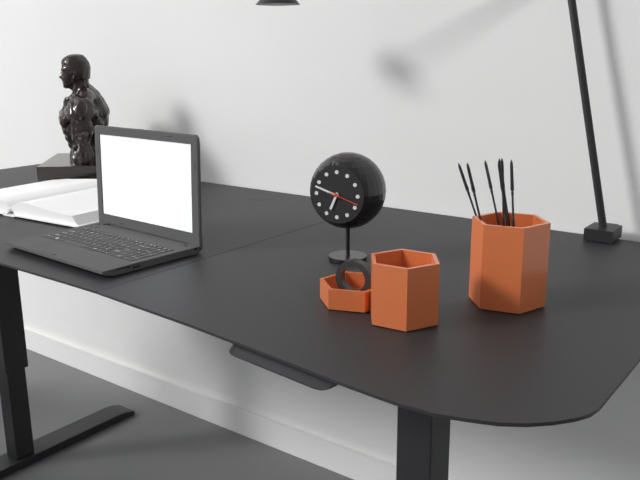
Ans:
6,48
